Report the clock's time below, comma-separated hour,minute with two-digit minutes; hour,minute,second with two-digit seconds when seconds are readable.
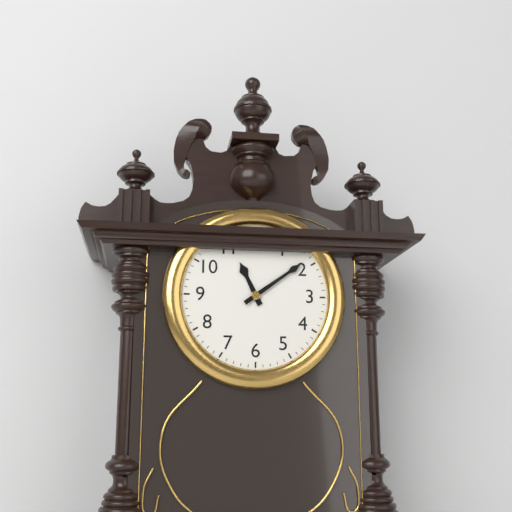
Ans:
11,09
